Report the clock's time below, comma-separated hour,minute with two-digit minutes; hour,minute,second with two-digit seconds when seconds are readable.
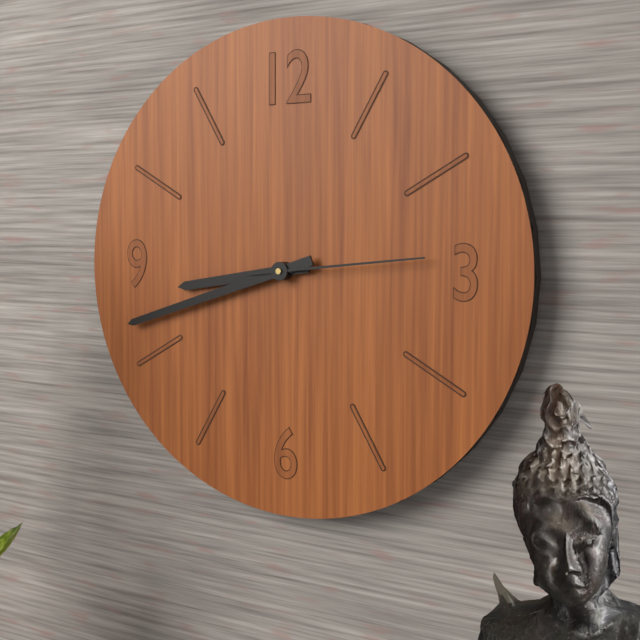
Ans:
8,42,14
